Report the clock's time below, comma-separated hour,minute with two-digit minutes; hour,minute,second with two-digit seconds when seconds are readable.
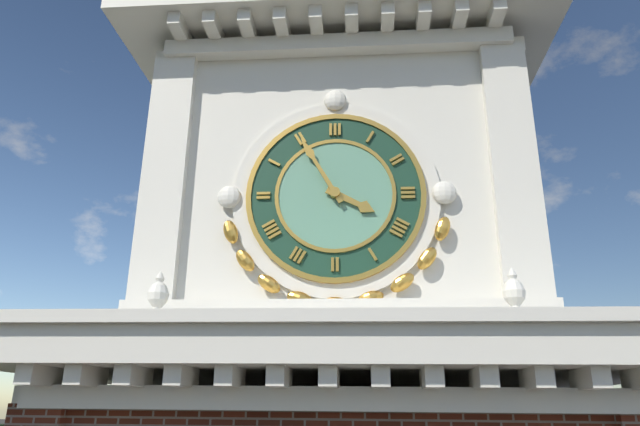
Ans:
3,55
